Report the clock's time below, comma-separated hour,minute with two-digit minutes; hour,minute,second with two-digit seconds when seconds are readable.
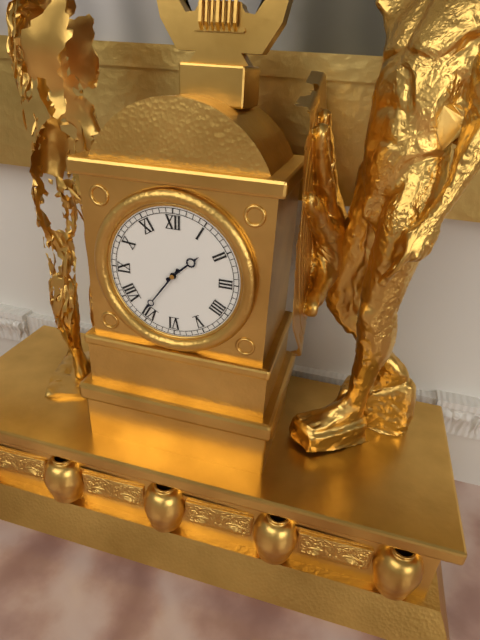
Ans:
1,36
